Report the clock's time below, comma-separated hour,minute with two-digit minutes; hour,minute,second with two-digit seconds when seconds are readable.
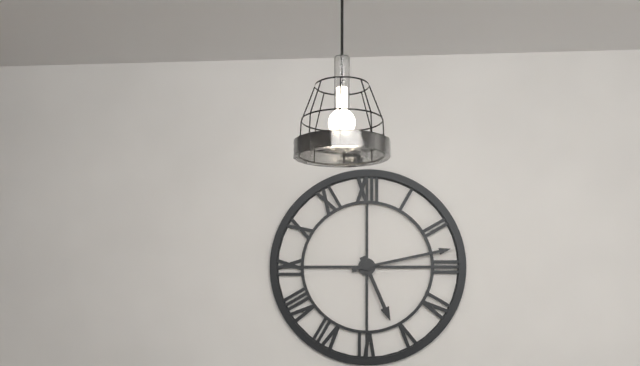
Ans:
5,13
